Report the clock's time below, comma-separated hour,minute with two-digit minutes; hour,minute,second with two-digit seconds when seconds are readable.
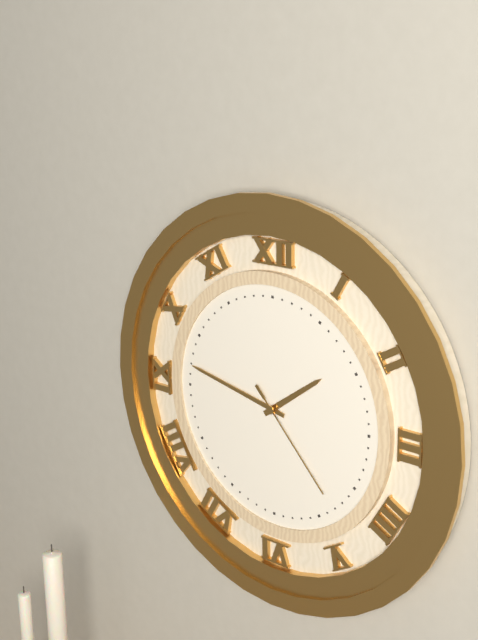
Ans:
1,47,23
